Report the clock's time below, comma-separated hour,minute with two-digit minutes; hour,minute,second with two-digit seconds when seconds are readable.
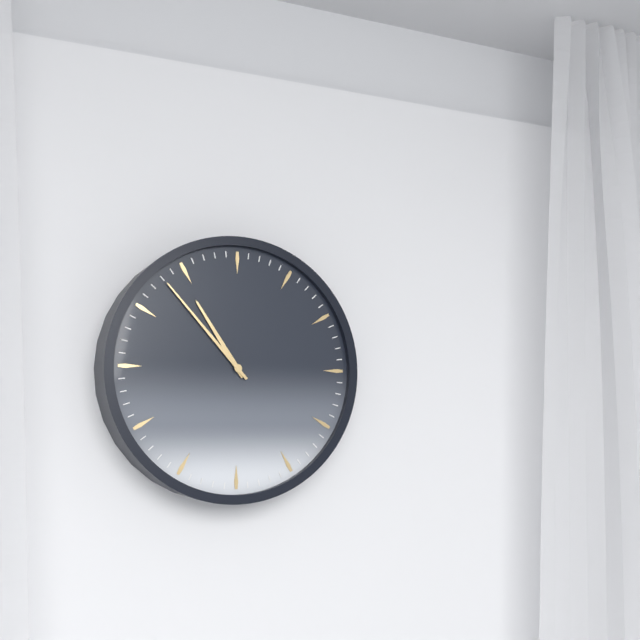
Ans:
10,53
